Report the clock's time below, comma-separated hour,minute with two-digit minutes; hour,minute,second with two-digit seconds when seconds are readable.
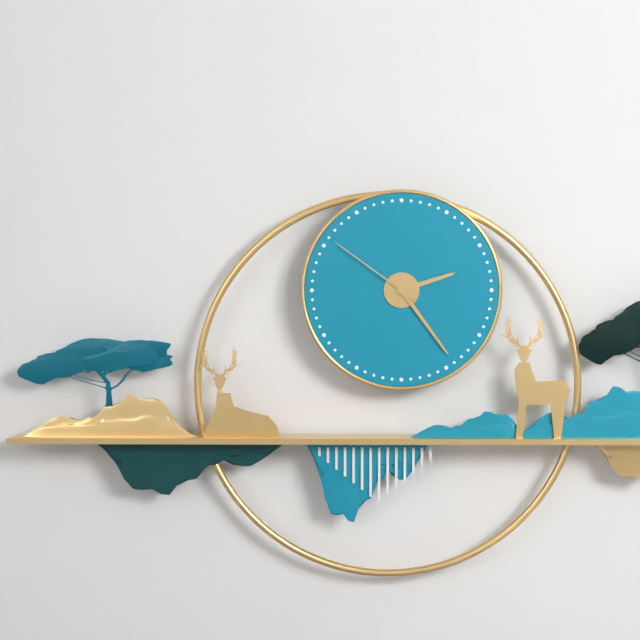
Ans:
2,24,51
